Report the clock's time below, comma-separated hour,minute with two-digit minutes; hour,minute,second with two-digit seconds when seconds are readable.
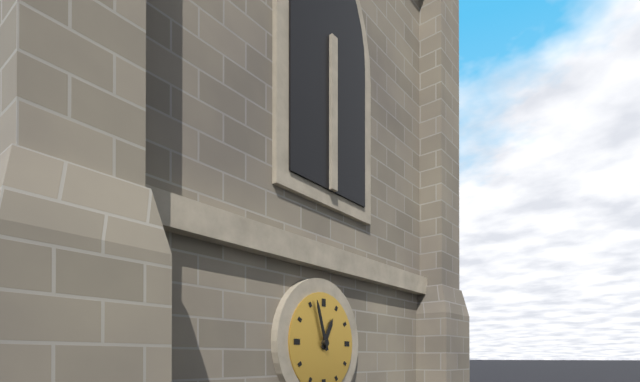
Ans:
12,57
